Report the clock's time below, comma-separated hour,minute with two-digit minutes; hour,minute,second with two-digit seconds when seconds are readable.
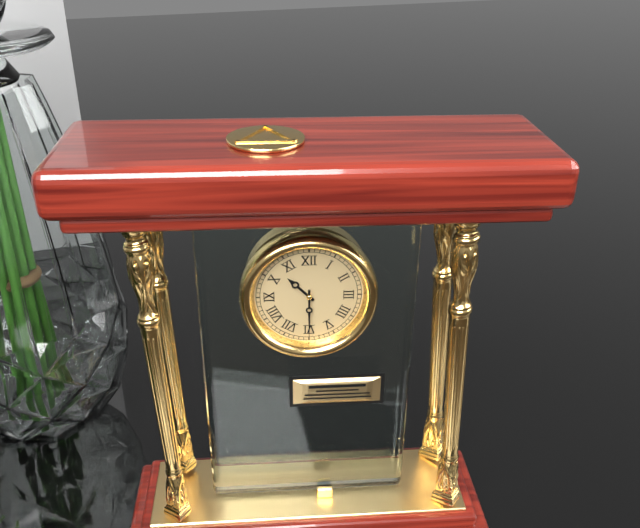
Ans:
10,30
